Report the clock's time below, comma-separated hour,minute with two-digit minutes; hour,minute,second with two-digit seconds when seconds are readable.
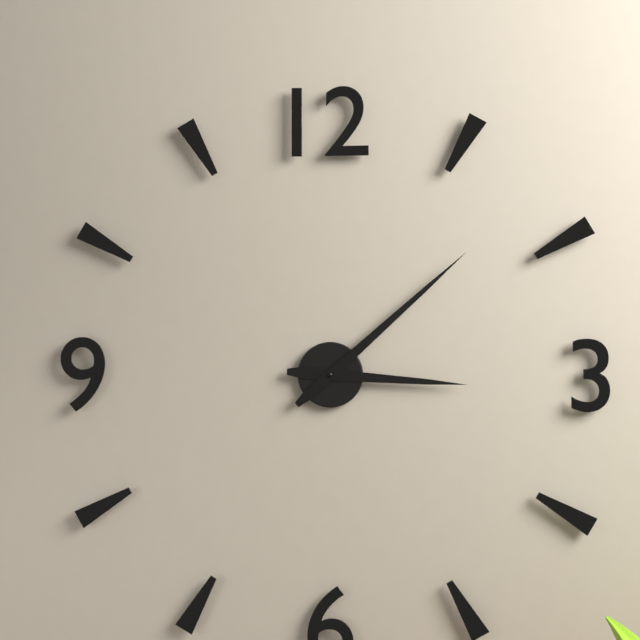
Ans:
3,08
